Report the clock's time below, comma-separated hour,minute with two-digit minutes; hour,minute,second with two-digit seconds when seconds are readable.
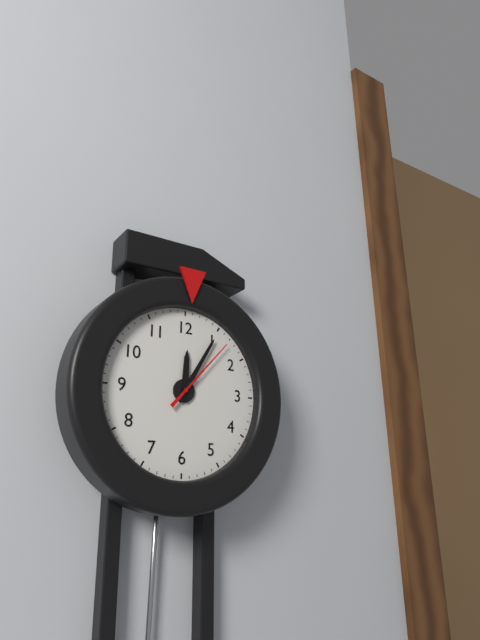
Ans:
12,05,07
